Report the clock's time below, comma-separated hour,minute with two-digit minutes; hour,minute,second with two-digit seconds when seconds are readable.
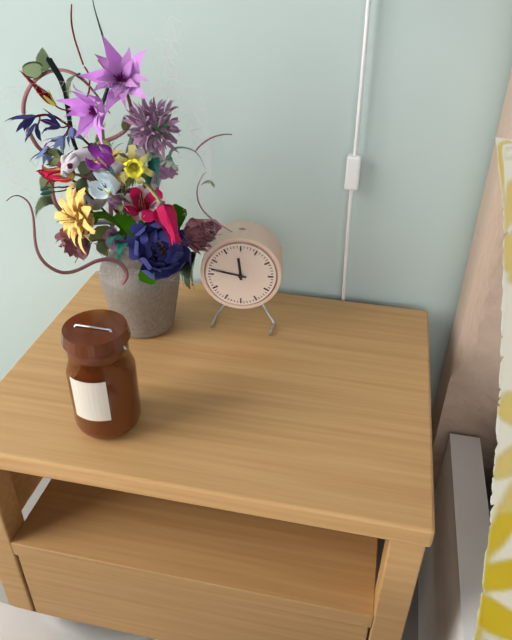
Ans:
11,47
